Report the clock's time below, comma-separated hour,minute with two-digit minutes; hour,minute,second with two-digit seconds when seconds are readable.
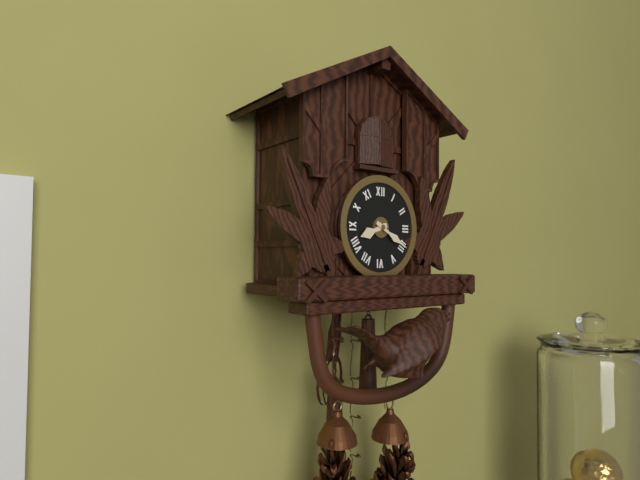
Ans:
8,20
